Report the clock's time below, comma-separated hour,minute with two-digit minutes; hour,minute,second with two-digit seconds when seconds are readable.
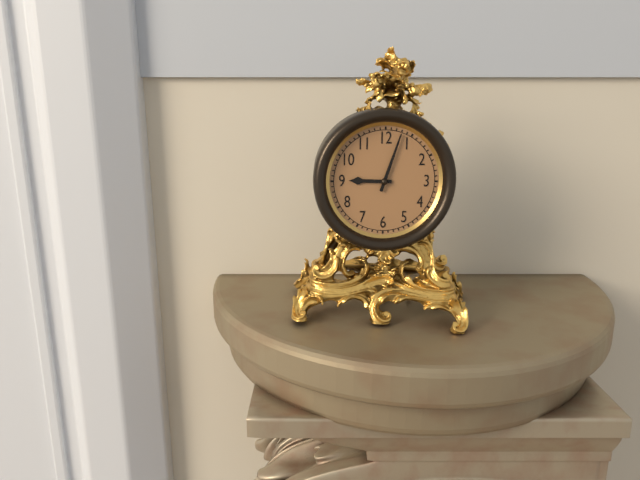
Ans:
9,03
